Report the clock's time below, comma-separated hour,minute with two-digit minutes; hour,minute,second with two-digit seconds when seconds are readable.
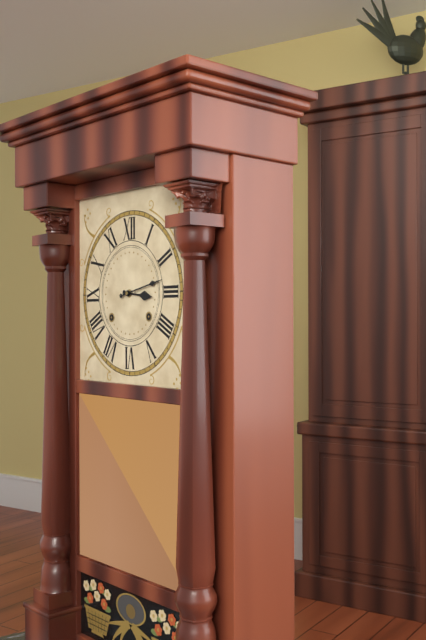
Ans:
3,13
